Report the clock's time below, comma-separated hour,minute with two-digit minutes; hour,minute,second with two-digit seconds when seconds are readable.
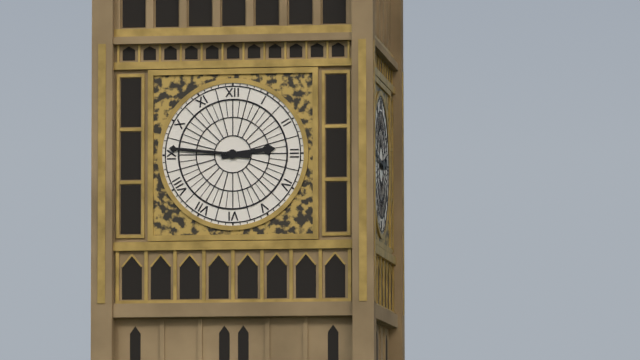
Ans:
2,46
